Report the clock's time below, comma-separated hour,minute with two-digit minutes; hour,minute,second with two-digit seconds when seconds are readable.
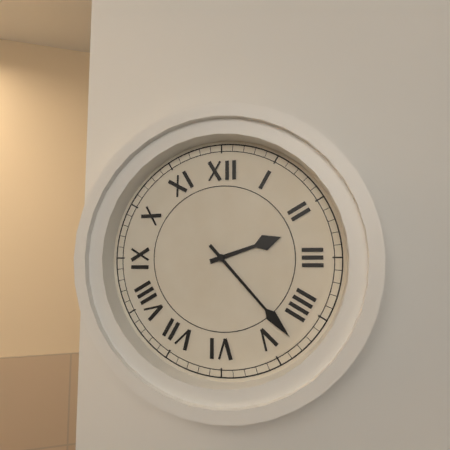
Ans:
2,23
